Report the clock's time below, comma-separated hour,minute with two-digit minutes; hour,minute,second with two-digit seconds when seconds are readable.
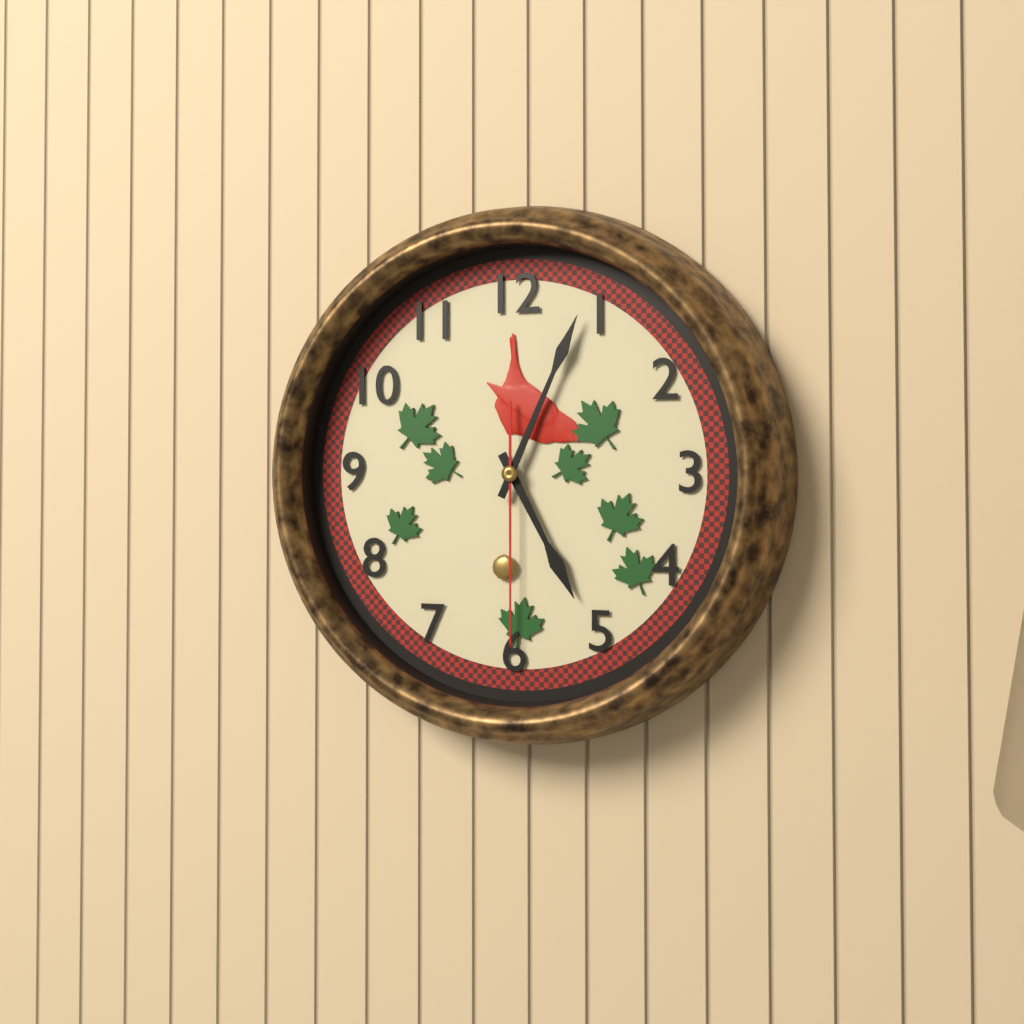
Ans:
5,04,30
